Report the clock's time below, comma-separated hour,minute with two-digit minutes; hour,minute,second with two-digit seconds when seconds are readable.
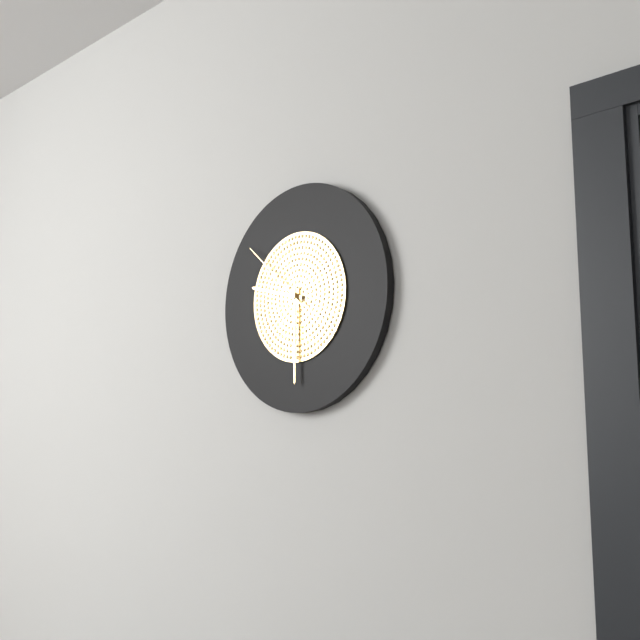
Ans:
9,30,52
